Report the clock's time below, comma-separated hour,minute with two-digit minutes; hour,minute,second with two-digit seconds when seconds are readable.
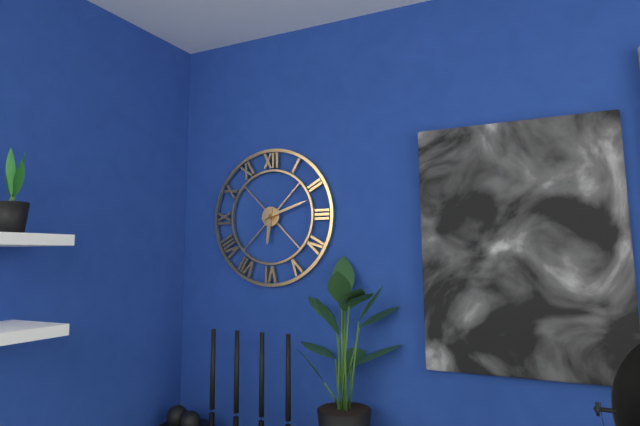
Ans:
6,12
